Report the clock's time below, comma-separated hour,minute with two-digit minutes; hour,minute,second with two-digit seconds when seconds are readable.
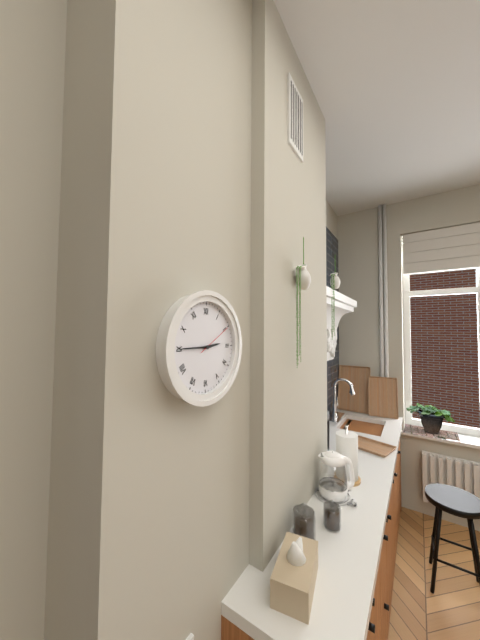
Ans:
2,45
